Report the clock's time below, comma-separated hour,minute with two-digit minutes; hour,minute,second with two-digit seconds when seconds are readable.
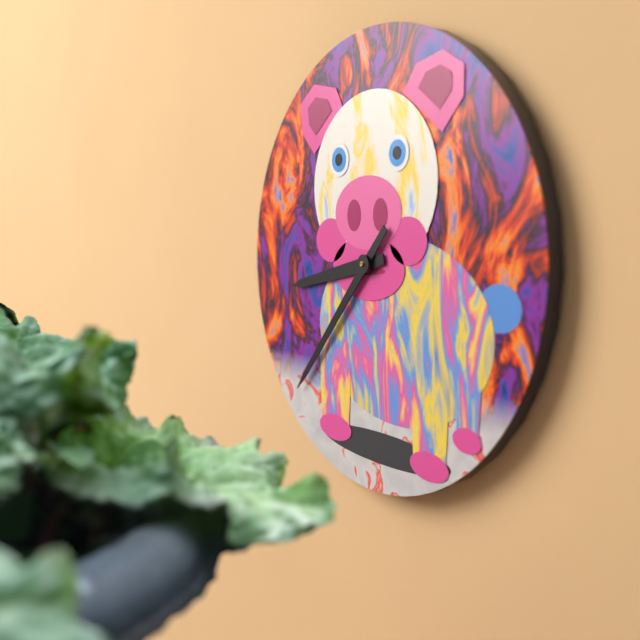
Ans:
8,37
